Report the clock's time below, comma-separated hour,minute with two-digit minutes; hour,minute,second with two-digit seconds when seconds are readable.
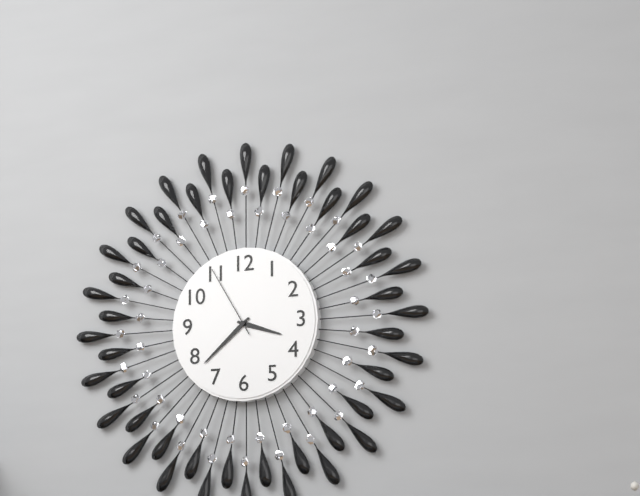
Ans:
3,38,55
